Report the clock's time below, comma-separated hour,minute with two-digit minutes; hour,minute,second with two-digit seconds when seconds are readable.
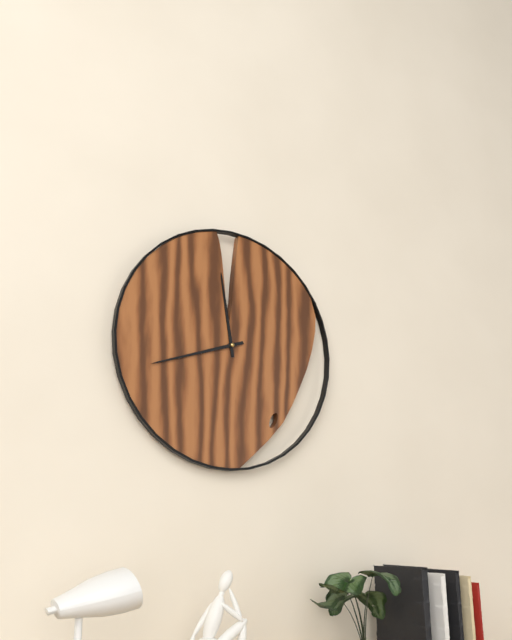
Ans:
11,42
